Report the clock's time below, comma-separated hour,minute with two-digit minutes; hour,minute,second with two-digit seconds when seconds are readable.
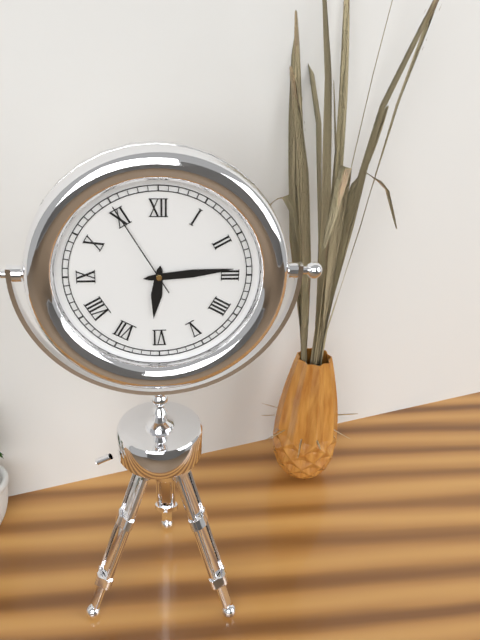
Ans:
6,14,55
